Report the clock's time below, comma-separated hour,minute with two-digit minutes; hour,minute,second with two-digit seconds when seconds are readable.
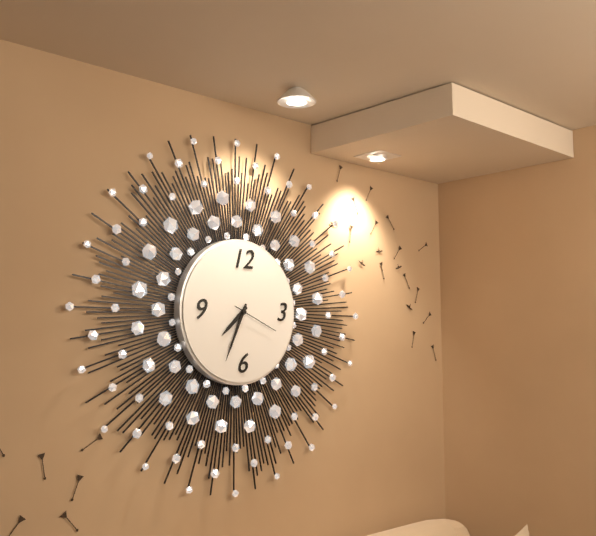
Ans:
7,34
